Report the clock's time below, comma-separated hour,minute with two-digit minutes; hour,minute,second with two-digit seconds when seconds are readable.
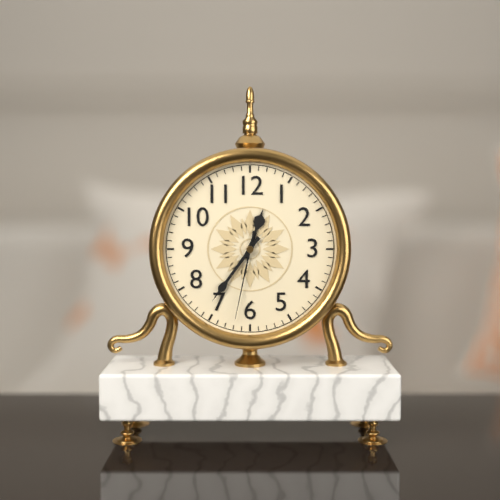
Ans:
12,36,32
